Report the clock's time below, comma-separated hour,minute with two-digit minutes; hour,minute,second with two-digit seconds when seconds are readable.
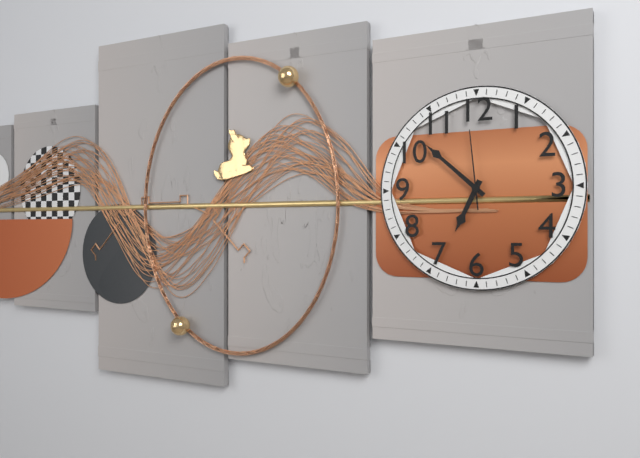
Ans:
6,52,59
